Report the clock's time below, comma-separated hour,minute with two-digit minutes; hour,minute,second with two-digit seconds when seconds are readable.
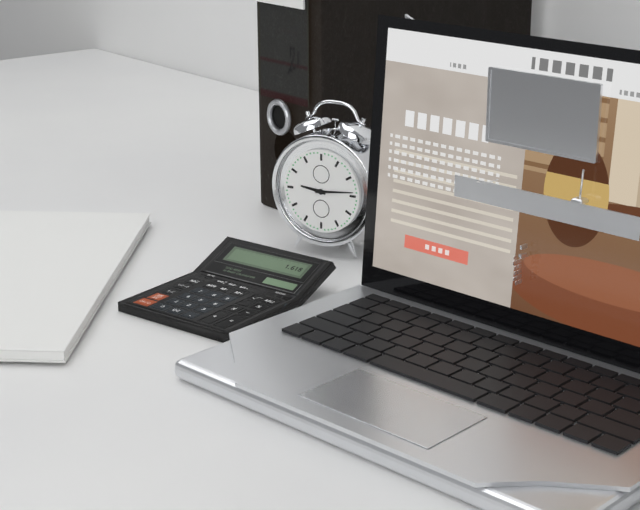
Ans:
9,14
